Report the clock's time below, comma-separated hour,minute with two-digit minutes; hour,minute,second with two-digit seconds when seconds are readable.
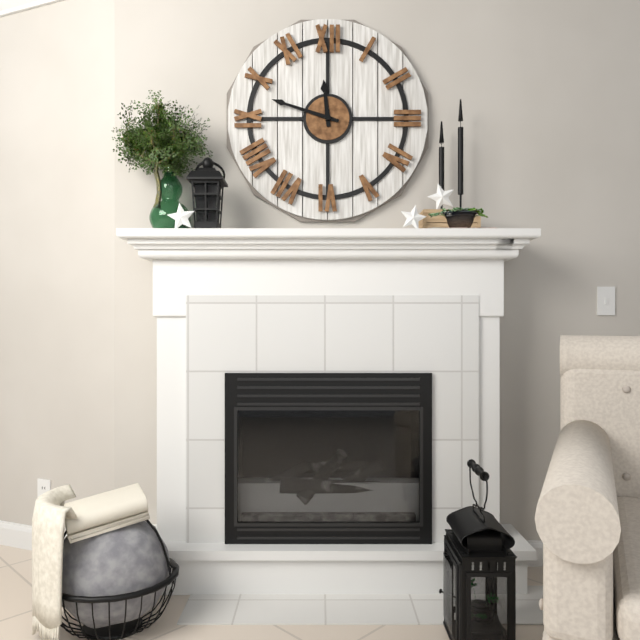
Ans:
11,48
